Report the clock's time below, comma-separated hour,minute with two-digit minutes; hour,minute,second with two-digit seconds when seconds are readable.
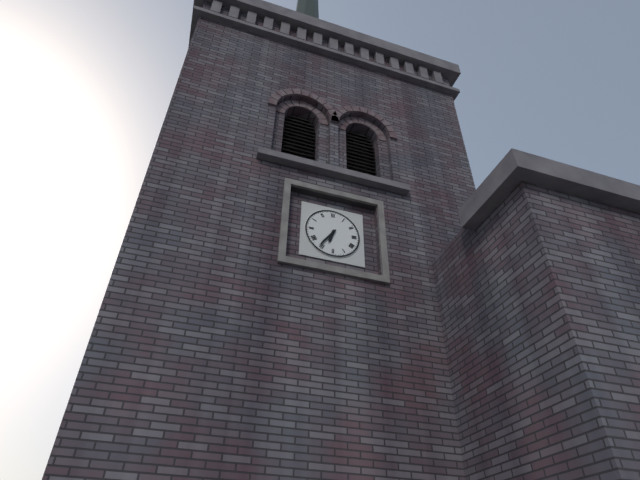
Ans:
6,36
